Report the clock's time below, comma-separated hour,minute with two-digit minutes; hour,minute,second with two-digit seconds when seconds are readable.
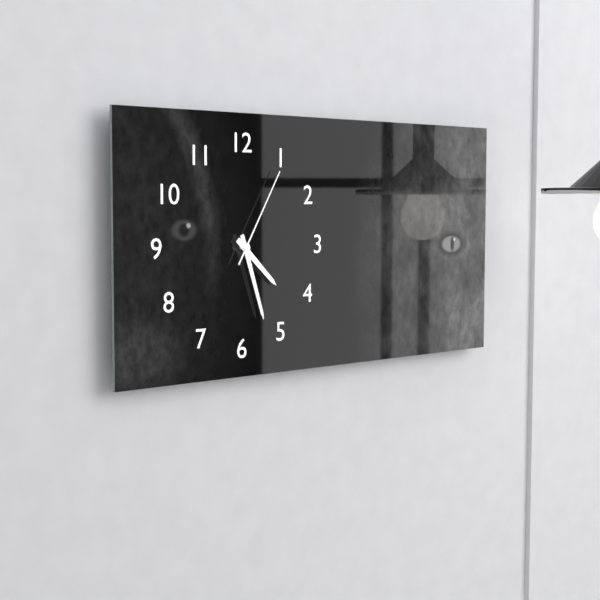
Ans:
4,27,05
